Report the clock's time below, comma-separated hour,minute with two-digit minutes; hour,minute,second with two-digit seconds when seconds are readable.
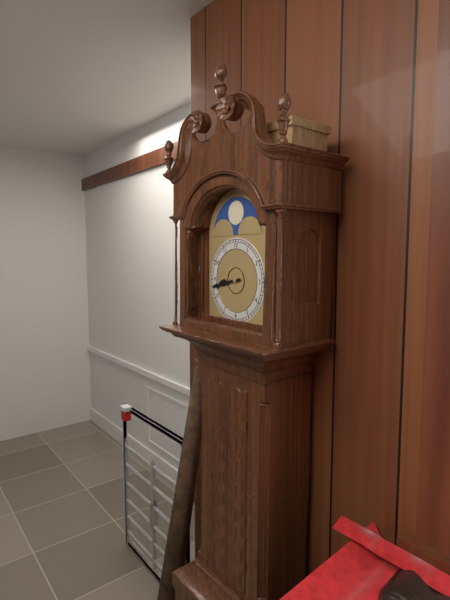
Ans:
8,43
